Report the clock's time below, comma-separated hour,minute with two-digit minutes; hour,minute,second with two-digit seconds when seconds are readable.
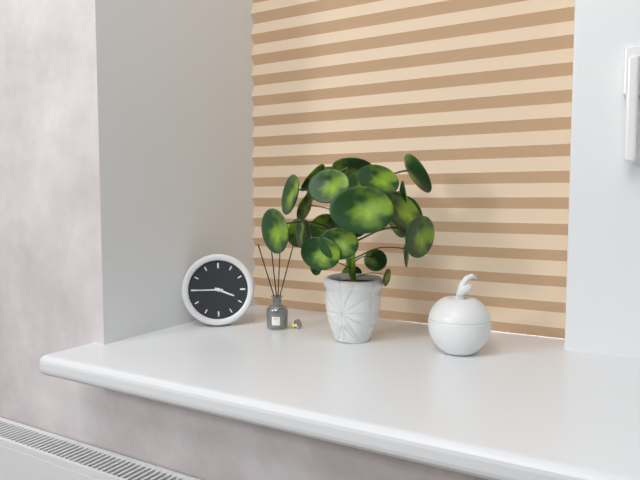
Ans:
3,45
